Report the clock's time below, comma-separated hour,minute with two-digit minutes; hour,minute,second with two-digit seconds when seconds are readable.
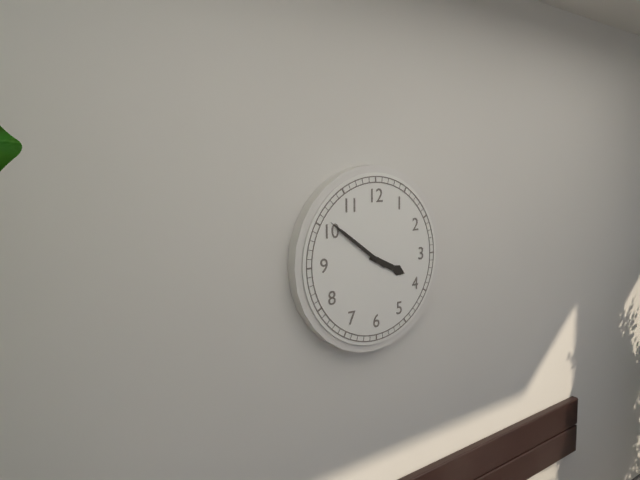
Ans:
3,51
